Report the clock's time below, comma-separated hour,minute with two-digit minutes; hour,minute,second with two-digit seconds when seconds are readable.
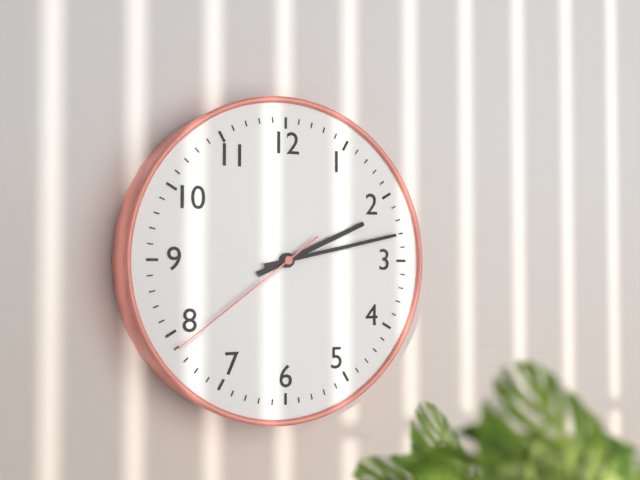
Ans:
2,13,39
